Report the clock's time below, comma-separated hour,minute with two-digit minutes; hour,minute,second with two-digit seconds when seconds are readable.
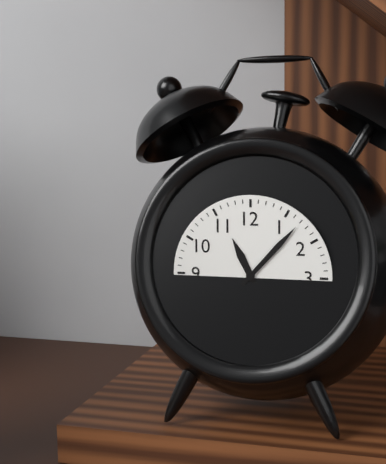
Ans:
11,07
